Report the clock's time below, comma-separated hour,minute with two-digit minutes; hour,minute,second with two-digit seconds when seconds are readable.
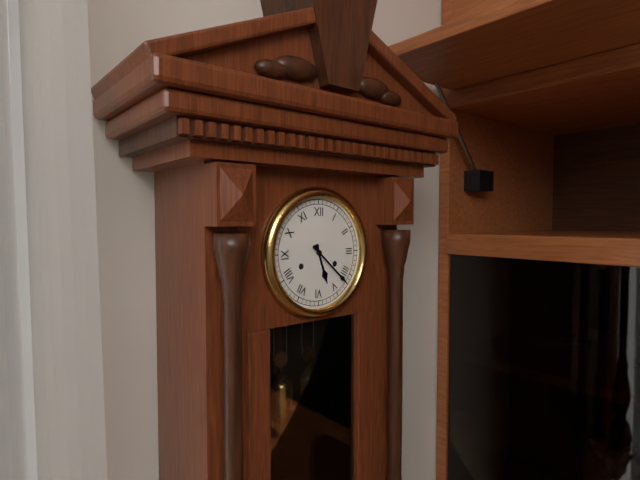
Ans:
5,22
